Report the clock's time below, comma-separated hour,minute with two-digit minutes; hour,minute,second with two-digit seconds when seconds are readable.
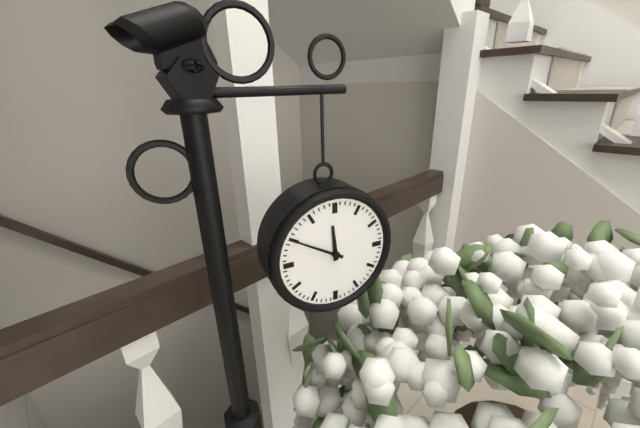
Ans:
11,50
